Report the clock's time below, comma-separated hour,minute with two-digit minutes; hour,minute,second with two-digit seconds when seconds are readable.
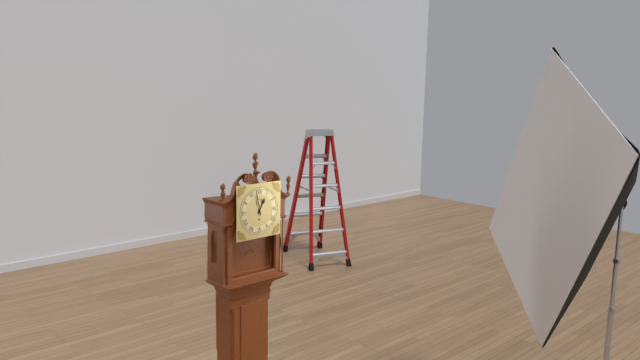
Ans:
12,58
